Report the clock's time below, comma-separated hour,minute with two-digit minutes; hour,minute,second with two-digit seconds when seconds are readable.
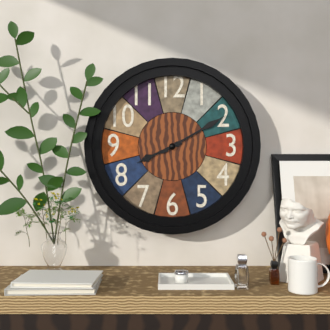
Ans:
8,10
